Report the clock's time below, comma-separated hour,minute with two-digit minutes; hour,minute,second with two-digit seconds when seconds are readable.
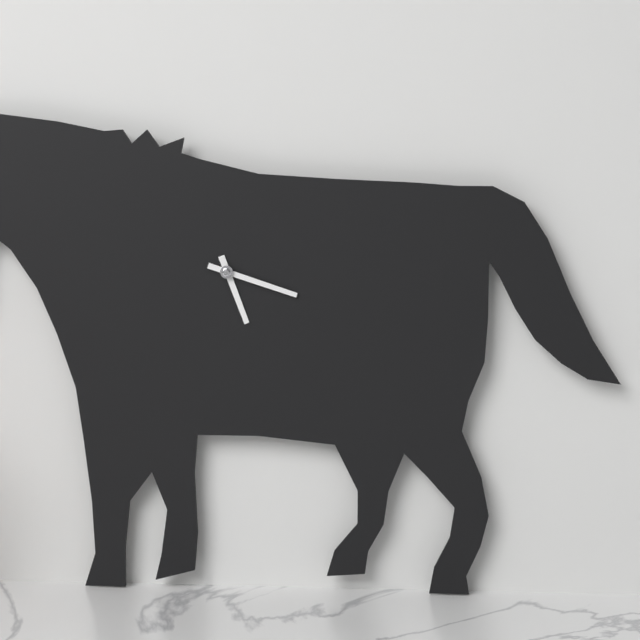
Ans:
5,18
